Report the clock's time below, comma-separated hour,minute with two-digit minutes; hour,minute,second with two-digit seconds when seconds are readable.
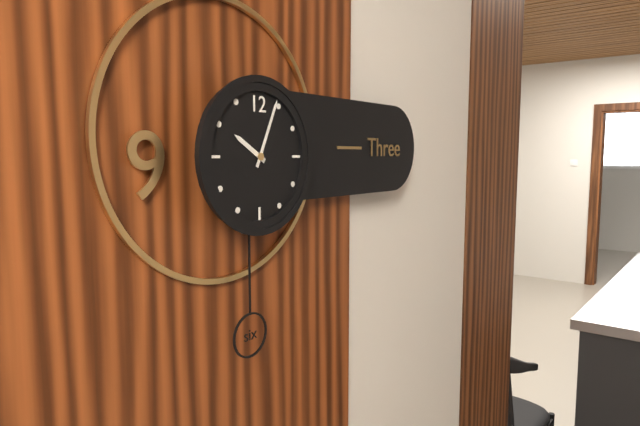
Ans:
10,04
